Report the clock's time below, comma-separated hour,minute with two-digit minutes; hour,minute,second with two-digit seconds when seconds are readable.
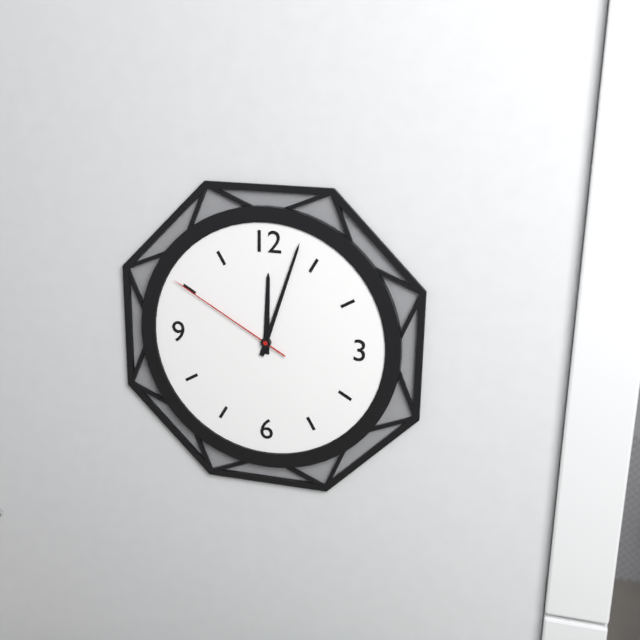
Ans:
12,03,50
